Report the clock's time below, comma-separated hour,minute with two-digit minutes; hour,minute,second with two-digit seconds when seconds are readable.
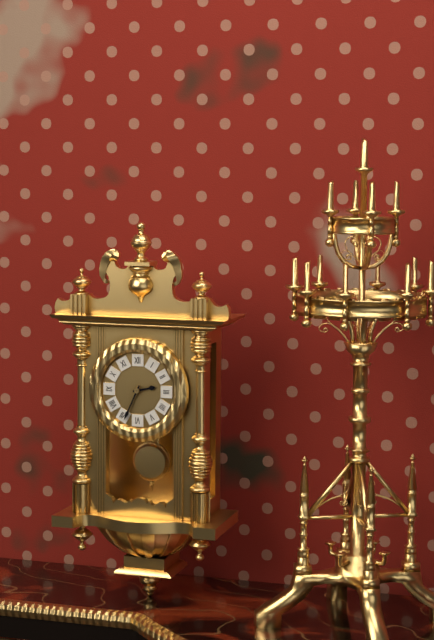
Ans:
2,34
